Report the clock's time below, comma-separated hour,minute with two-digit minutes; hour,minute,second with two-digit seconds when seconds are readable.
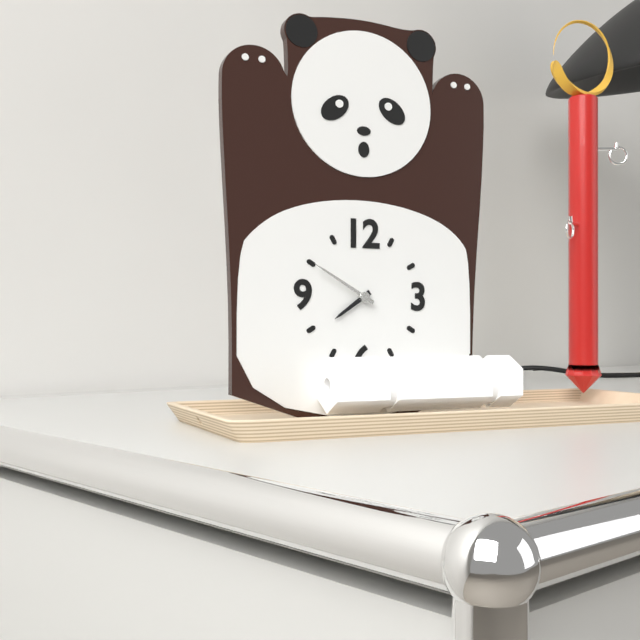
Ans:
7,50
